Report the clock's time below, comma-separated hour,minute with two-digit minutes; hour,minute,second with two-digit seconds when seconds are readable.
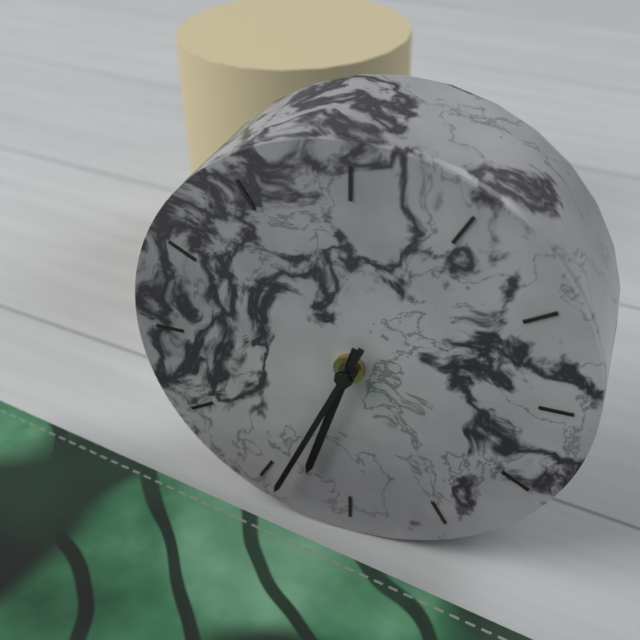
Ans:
6,34
